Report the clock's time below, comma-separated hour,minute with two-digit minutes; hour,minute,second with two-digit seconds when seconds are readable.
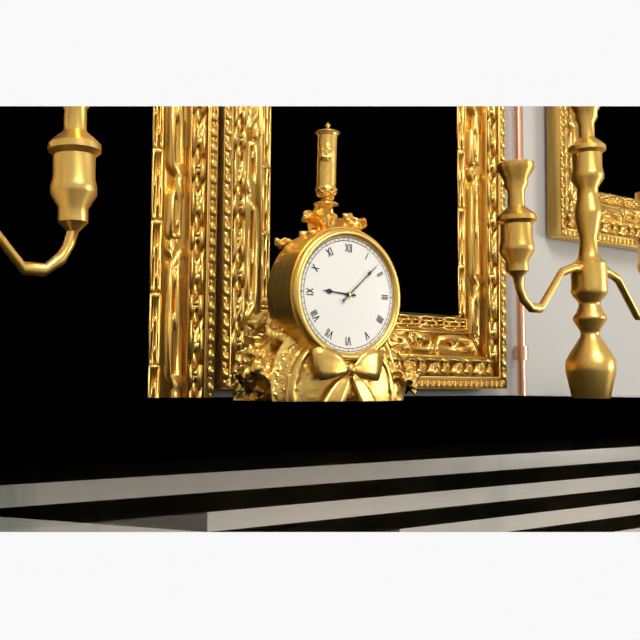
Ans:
9,08
